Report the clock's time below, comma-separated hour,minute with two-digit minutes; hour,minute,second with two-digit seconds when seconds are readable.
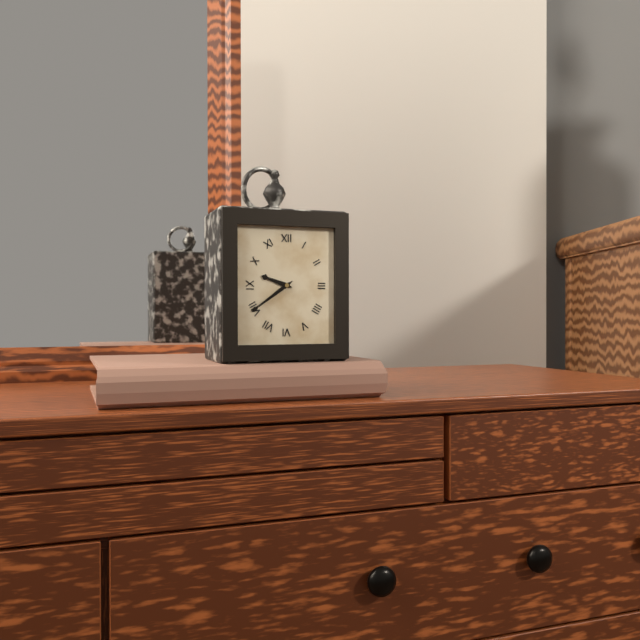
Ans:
9,39
